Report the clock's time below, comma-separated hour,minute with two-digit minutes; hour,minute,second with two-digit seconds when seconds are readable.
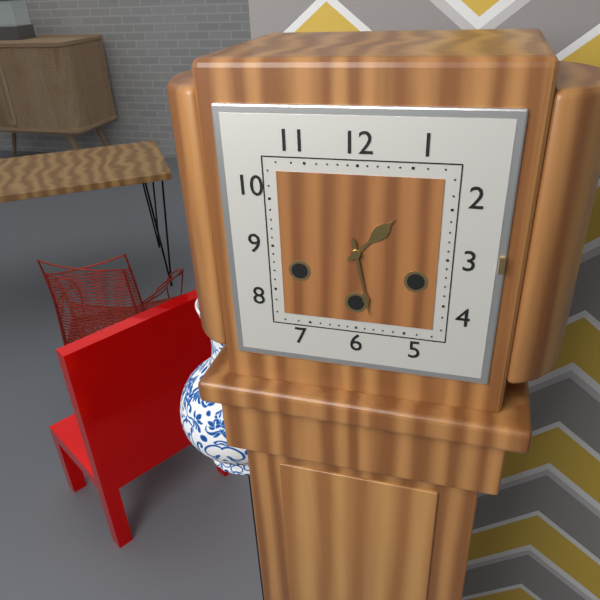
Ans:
1,28
